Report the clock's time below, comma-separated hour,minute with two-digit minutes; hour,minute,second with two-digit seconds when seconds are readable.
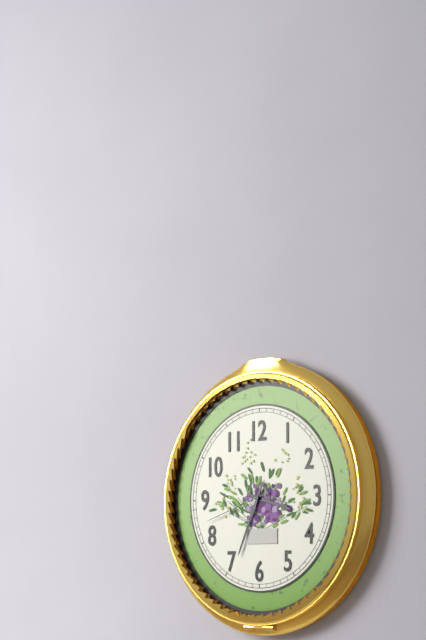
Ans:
3,34,42
